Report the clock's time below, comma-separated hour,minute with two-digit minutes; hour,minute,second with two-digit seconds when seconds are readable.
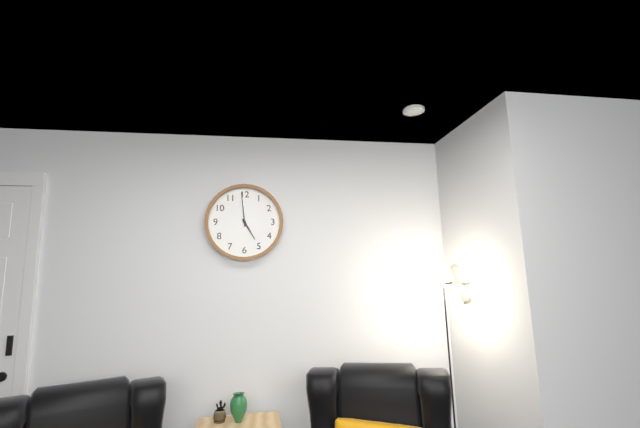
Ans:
4,59
